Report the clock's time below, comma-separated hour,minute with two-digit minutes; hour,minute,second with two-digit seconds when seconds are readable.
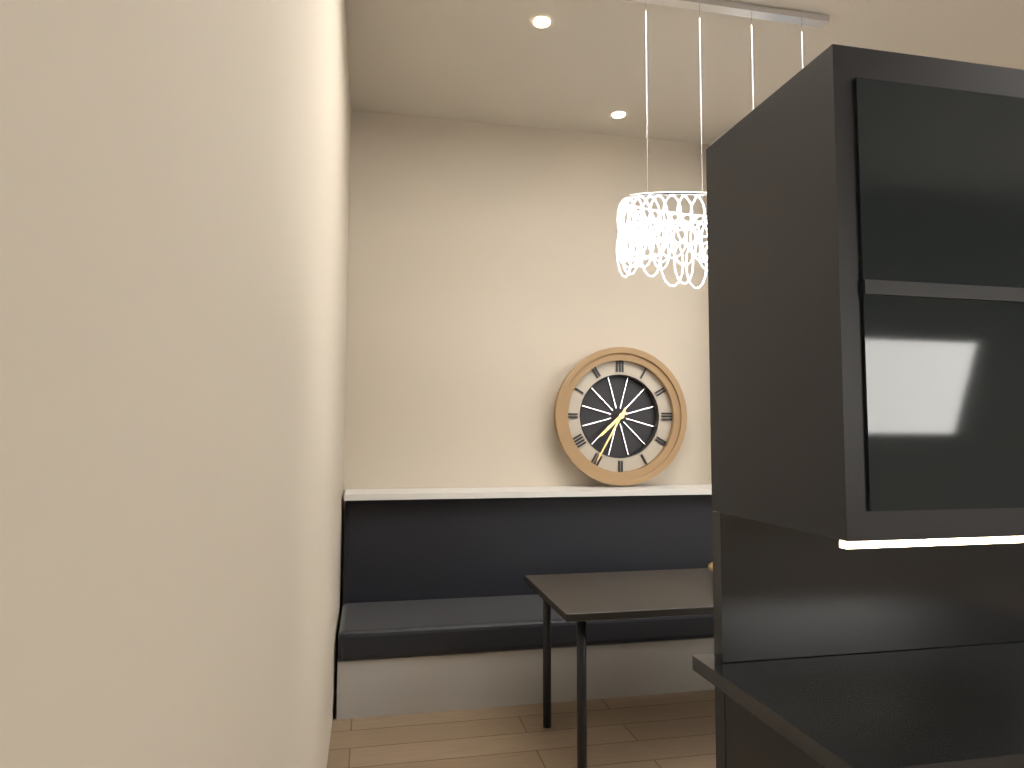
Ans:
7,35
